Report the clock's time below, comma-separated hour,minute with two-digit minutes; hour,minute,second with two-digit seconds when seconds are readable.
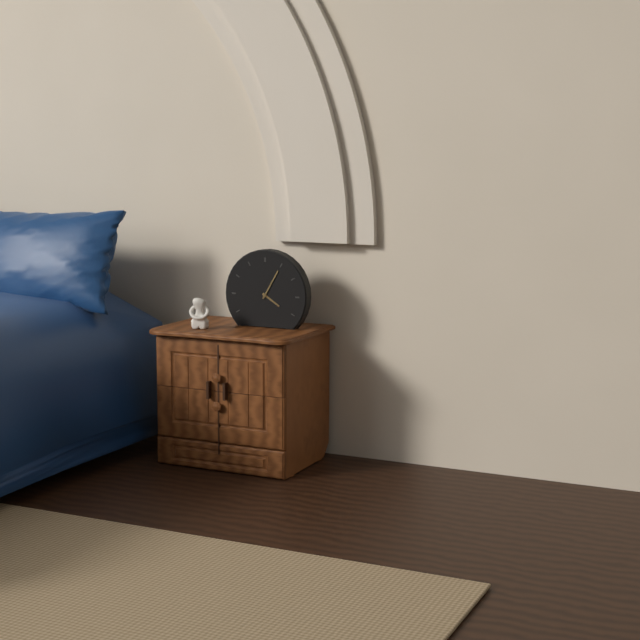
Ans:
4,05
